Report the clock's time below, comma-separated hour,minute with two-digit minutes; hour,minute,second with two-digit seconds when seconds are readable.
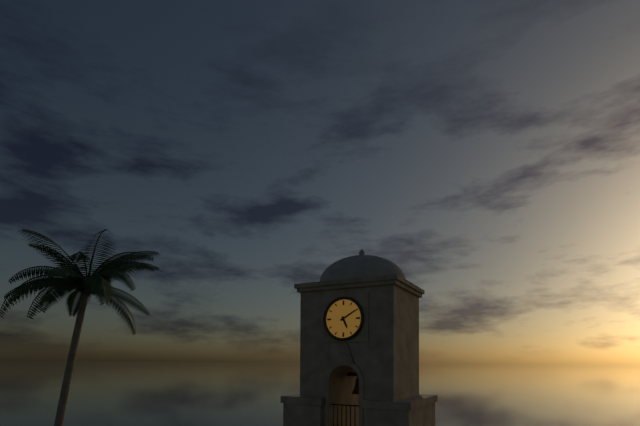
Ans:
5,10
